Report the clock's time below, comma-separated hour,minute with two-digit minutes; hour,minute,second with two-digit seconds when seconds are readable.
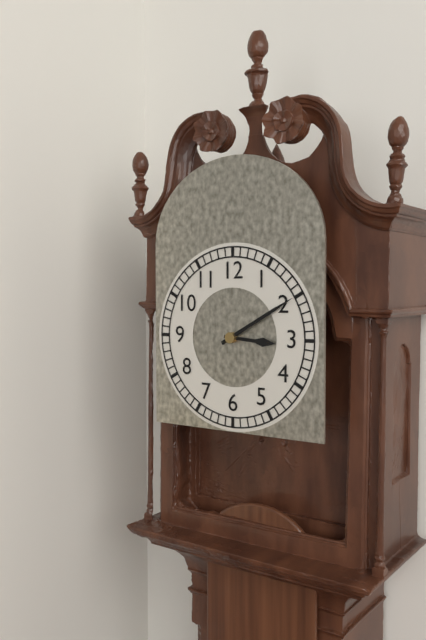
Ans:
3,10
